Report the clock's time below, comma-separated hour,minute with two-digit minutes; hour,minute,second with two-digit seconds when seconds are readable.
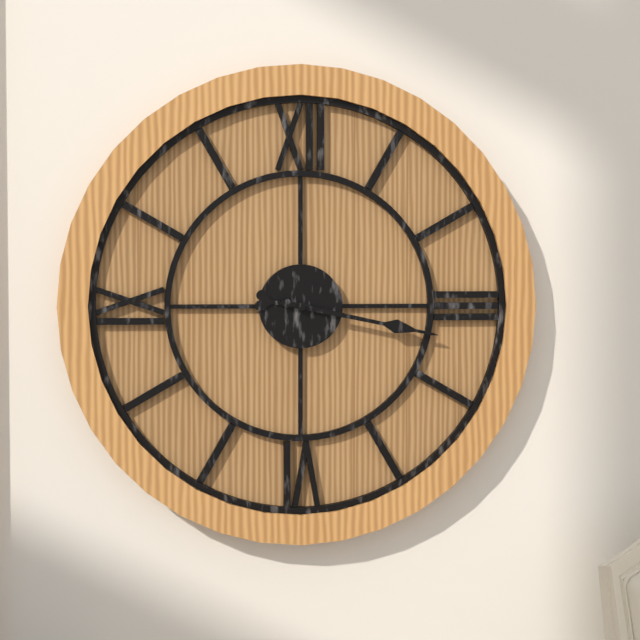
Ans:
9,17
